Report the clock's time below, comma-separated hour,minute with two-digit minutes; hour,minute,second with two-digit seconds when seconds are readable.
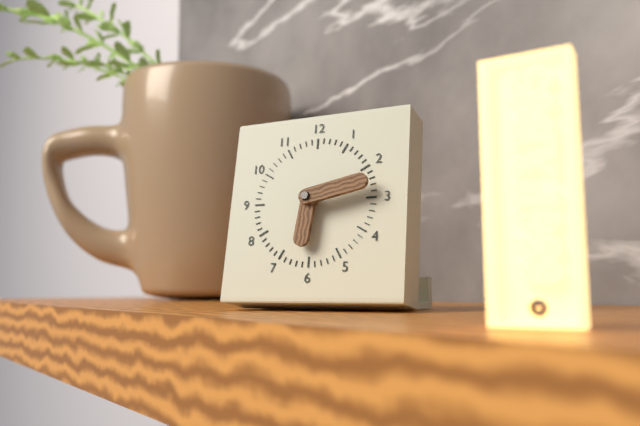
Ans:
6,13
